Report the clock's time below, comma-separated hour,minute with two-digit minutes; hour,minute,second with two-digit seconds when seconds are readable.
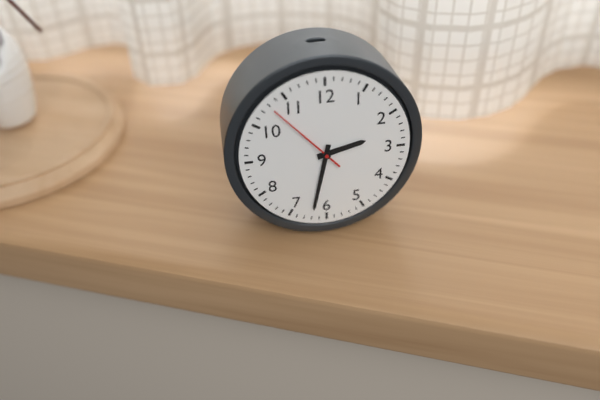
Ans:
2,32,53
